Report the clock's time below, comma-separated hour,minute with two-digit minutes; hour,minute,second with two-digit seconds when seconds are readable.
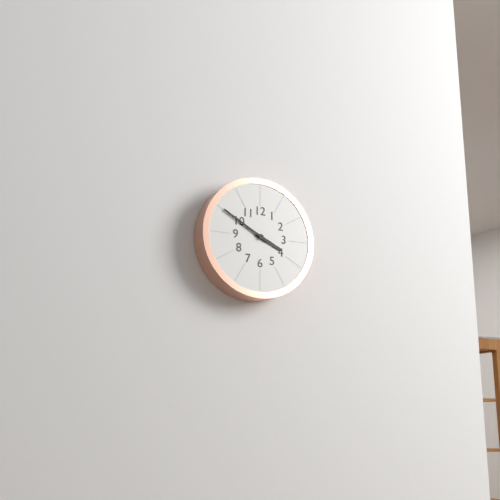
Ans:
3,50
